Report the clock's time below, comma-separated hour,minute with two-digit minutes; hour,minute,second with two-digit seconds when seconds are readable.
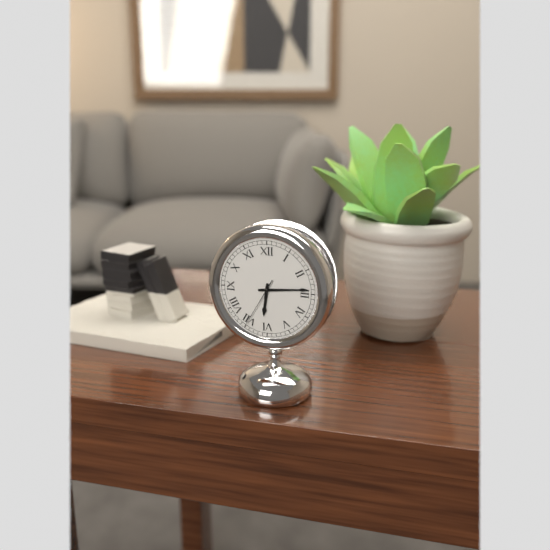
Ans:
6,14,35
